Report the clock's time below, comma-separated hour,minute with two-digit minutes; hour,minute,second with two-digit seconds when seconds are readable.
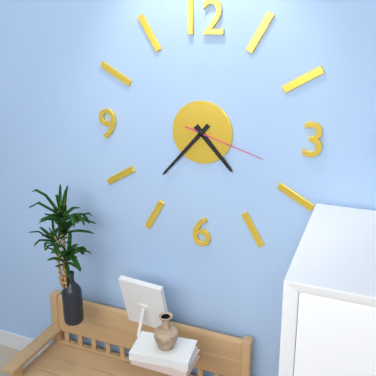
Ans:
4,37,18
